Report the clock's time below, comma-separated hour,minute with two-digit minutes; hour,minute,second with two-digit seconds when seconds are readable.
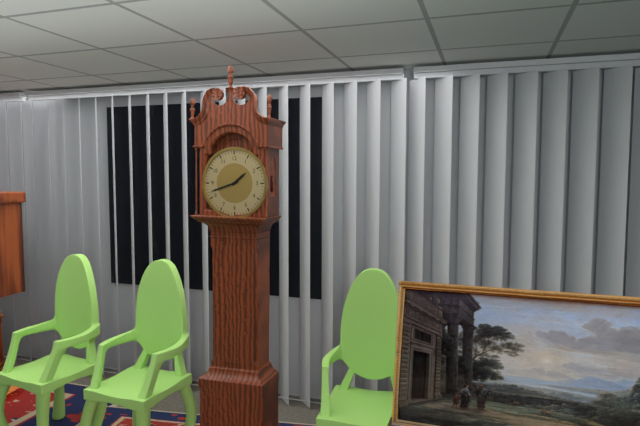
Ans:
1,42
